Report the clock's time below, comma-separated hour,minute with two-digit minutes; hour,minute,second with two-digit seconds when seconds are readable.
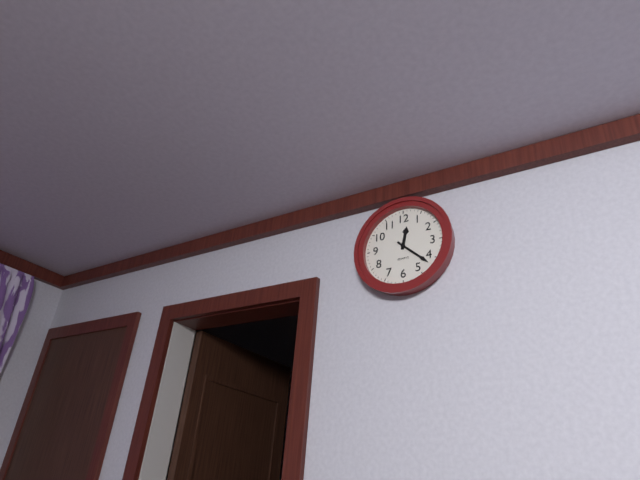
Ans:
12,22
